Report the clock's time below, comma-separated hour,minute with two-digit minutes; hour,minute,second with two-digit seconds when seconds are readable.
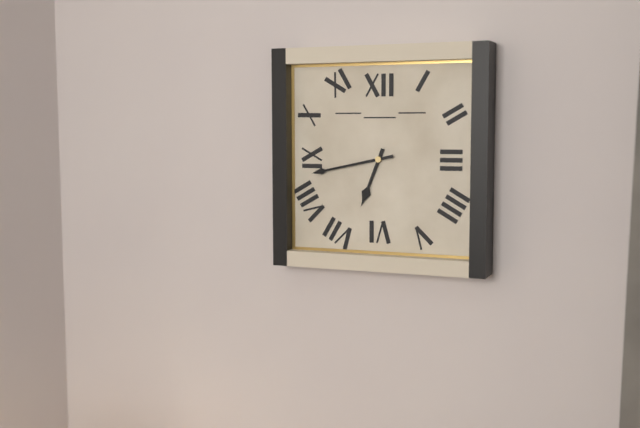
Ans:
6,43
